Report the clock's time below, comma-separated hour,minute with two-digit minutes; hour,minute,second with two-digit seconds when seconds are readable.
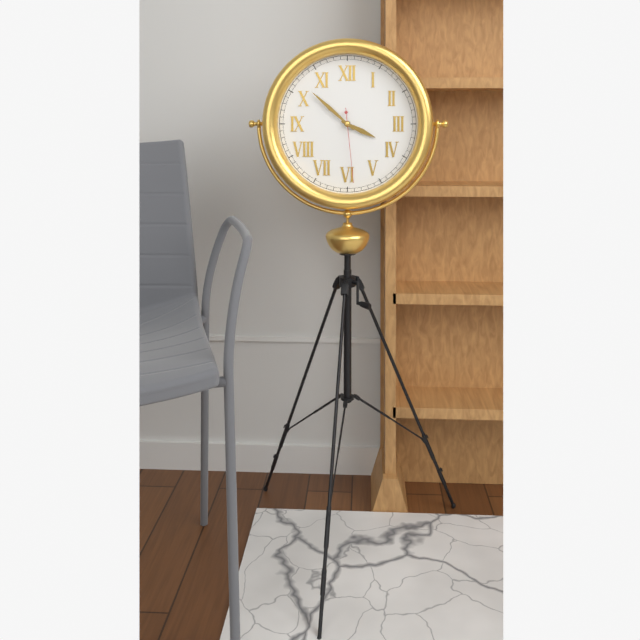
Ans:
3,52,29
